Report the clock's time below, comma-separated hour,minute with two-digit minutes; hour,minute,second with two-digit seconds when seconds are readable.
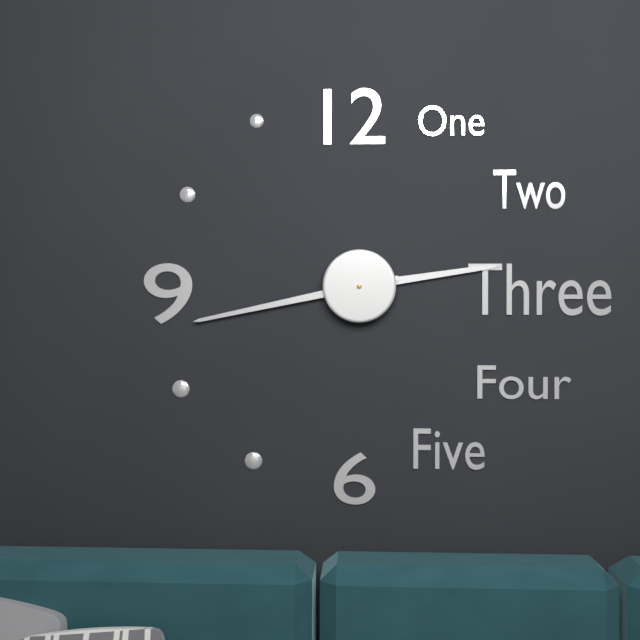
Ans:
2,43
